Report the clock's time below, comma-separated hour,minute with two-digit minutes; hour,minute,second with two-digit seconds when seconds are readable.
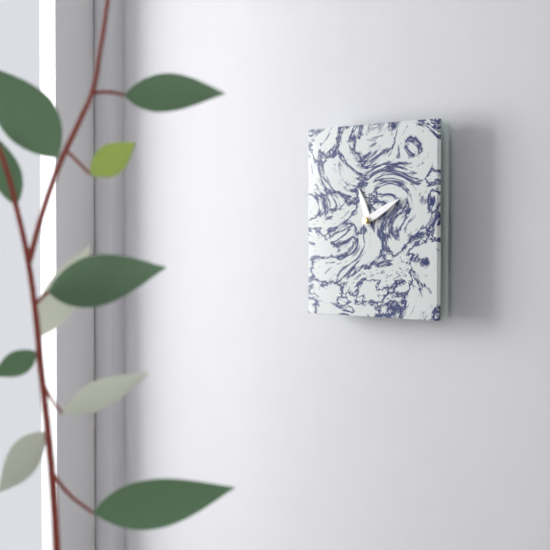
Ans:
11,11
